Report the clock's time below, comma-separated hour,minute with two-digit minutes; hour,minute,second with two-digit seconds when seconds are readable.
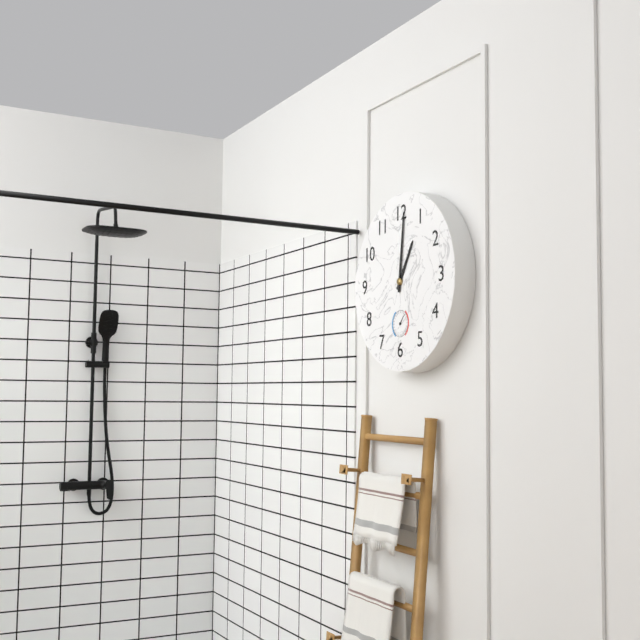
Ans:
1,01
